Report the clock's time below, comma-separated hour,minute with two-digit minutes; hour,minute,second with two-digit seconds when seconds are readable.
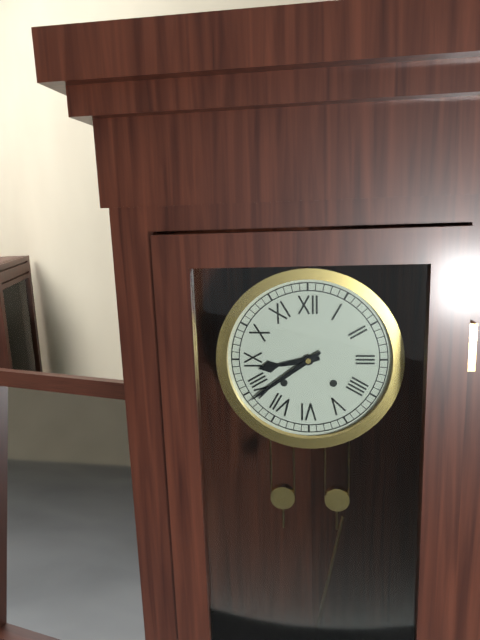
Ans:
8,39
